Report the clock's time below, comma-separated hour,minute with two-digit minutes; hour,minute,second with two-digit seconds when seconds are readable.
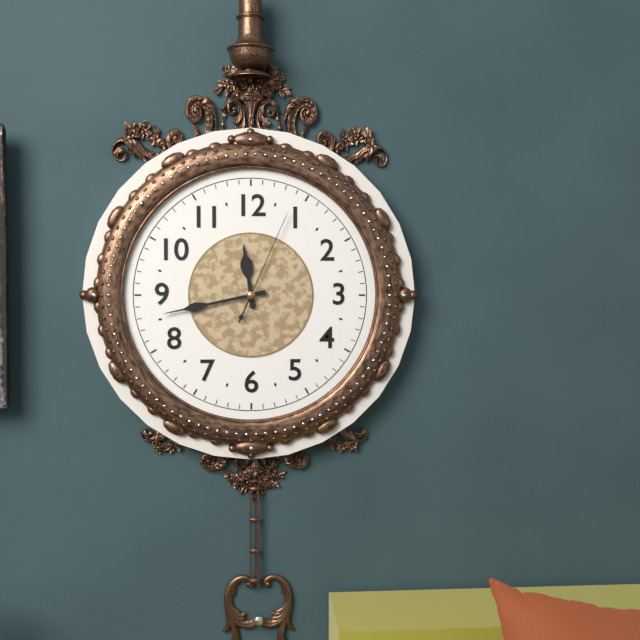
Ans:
11,43,04
